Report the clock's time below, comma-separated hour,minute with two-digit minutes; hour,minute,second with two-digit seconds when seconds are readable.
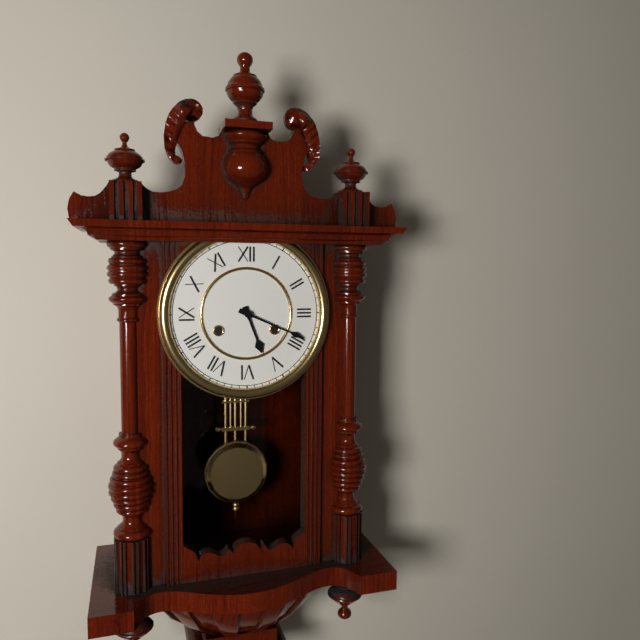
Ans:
5,19
